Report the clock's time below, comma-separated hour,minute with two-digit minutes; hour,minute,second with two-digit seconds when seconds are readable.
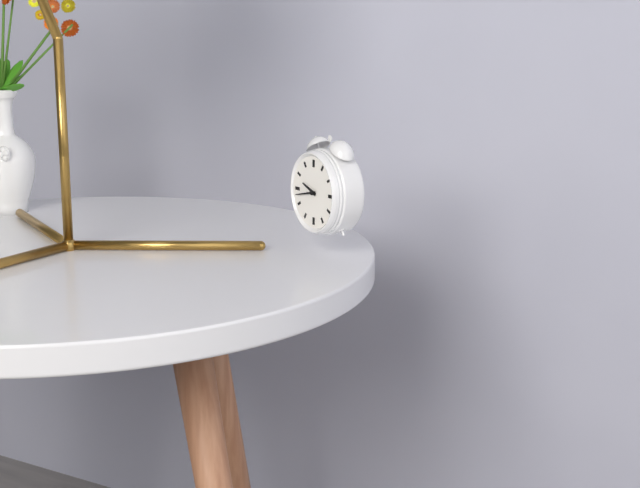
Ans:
9,43
